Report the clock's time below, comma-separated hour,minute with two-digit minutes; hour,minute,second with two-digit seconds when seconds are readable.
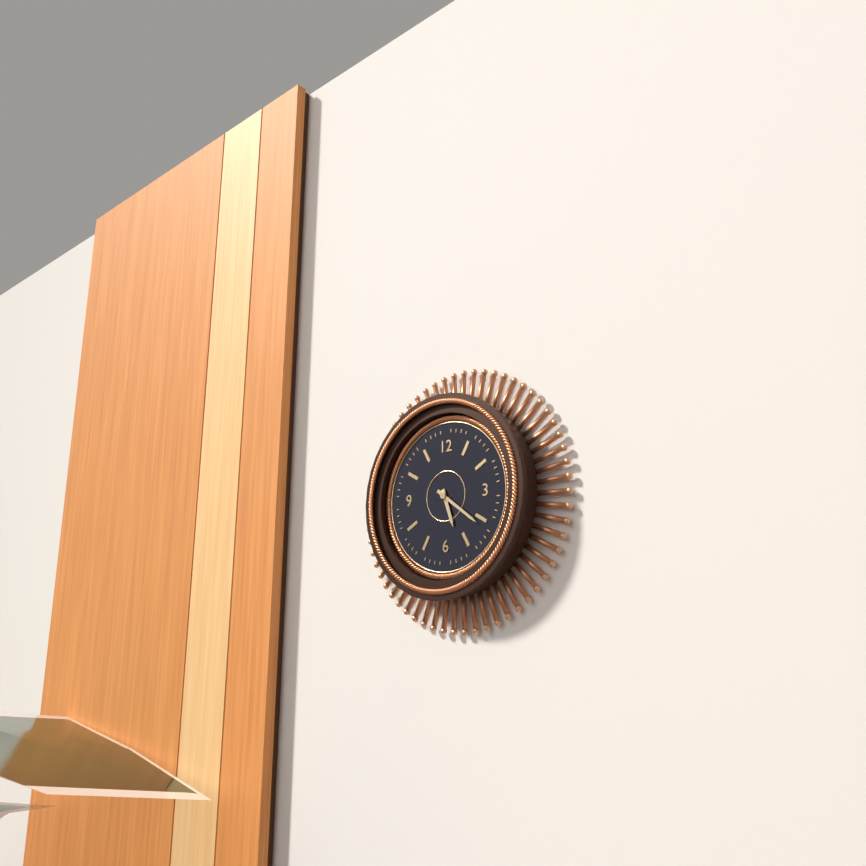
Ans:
5,21
